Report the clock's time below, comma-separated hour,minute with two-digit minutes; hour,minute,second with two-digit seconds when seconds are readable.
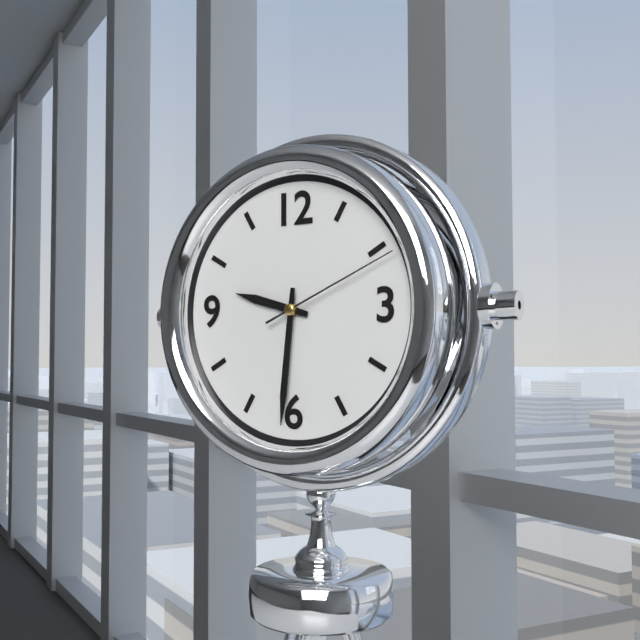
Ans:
9,31,11
